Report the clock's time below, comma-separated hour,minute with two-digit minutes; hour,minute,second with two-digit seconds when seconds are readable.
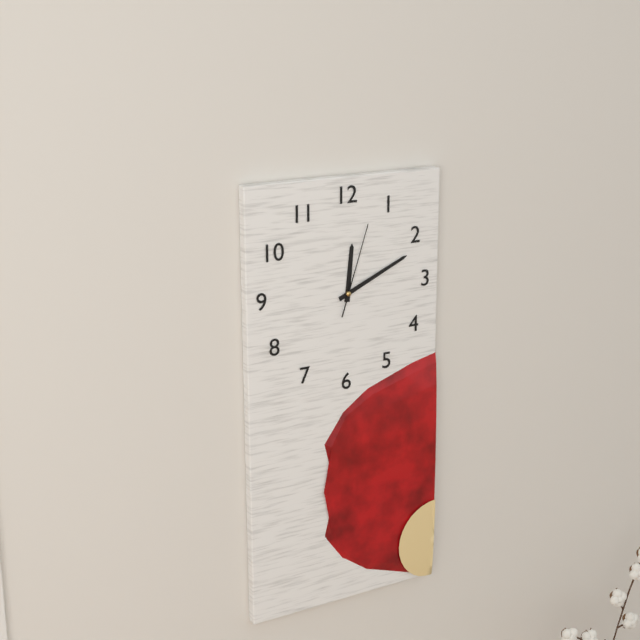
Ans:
12,11,03
